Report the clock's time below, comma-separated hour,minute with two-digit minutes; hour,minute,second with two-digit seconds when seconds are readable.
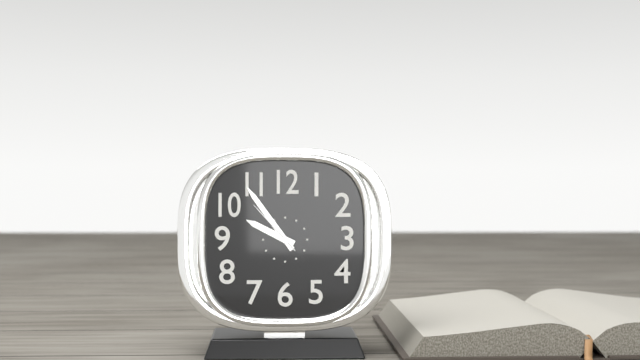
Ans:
9,54,53
